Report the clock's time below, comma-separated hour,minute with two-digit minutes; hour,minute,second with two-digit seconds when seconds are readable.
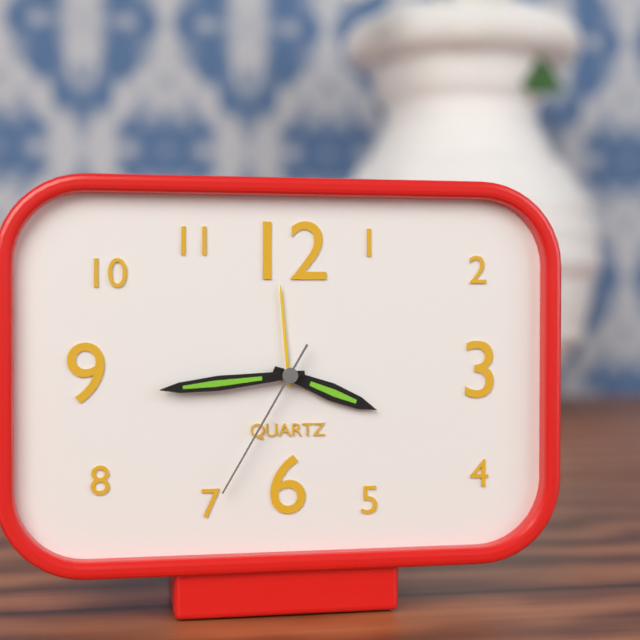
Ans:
3,44,35
